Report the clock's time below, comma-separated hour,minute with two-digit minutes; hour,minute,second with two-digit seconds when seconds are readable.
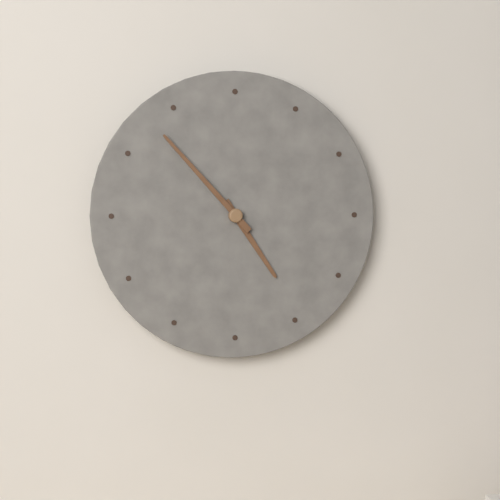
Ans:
4,53
